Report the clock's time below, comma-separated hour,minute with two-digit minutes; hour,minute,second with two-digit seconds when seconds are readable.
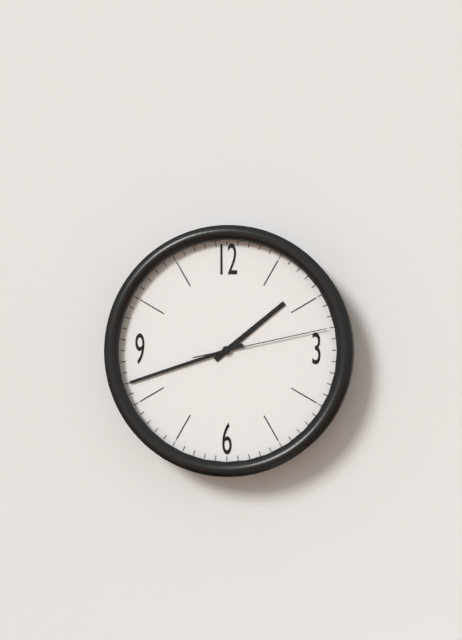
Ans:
1,42,13
